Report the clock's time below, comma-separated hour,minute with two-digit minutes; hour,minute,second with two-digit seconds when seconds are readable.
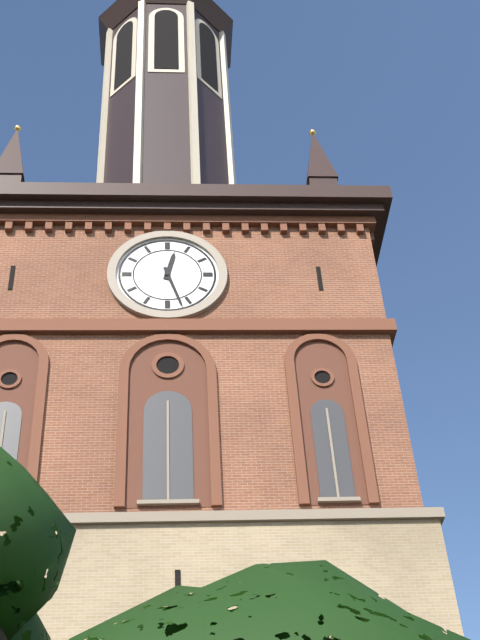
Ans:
12,27
